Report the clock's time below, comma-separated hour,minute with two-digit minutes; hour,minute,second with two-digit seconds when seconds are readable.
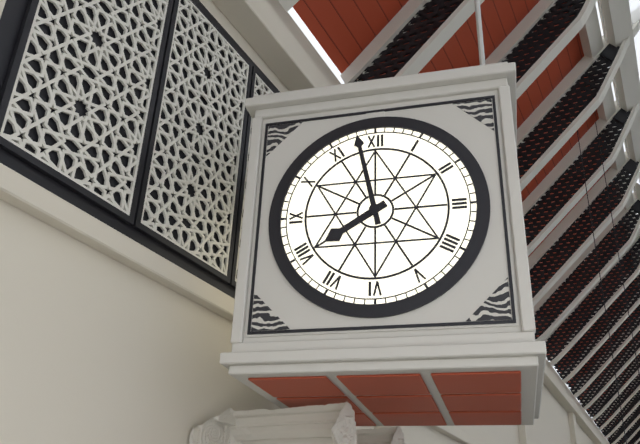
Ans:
7,58
